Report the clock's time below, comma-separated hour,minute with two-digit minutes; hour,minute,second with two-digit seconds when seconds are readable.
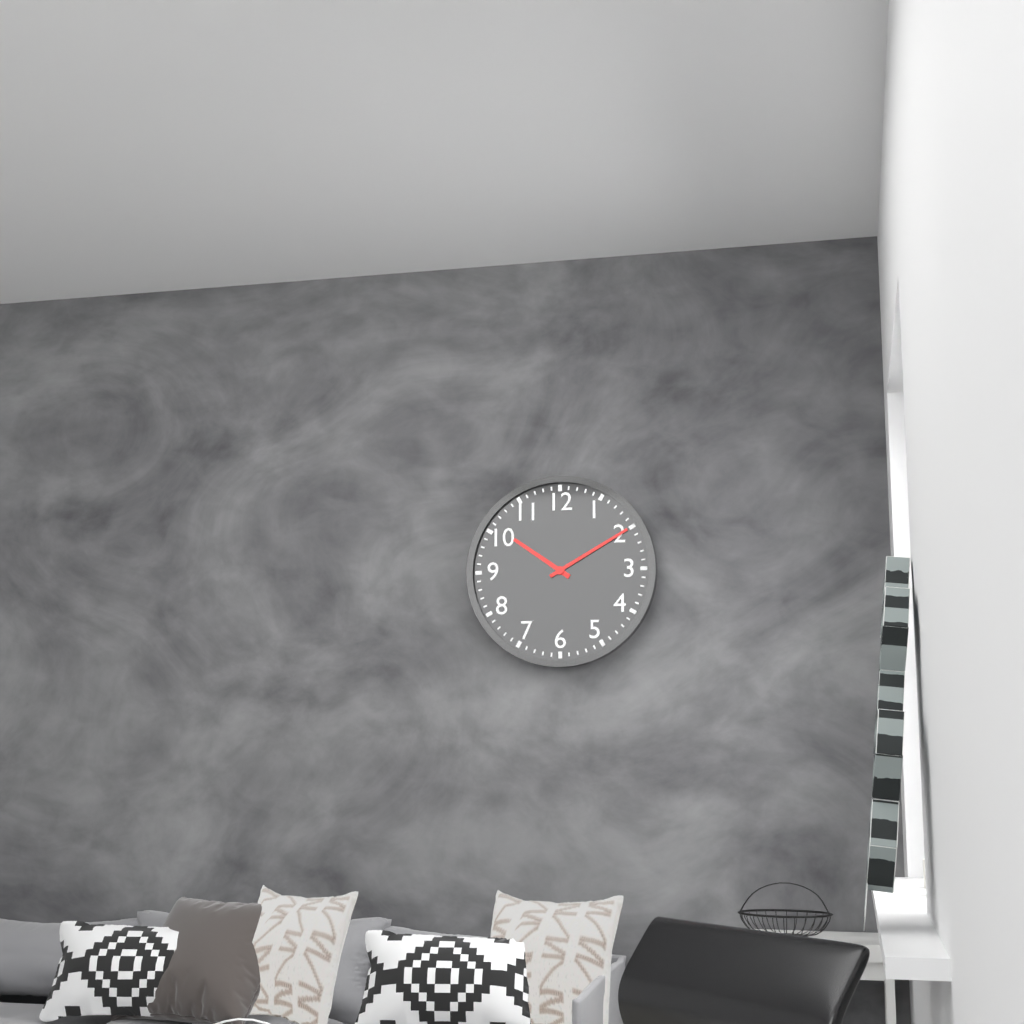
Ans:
10,10
